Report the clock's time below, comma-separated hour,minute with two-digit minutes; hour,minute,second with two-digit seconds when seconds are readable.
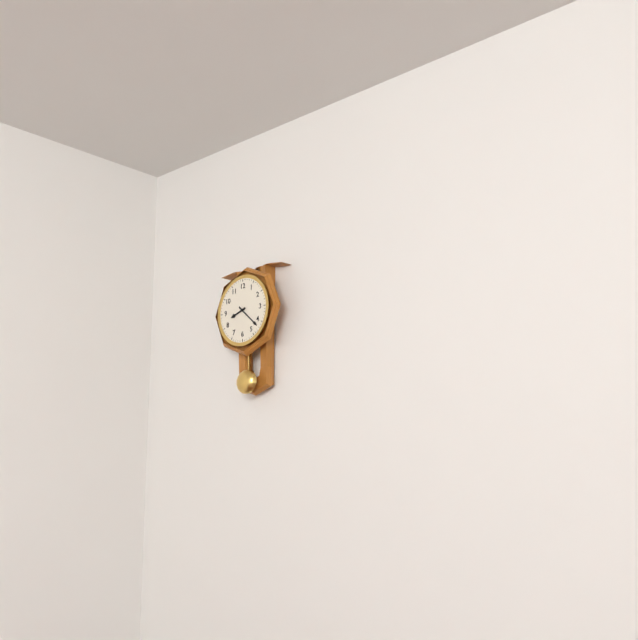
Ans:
8,22
